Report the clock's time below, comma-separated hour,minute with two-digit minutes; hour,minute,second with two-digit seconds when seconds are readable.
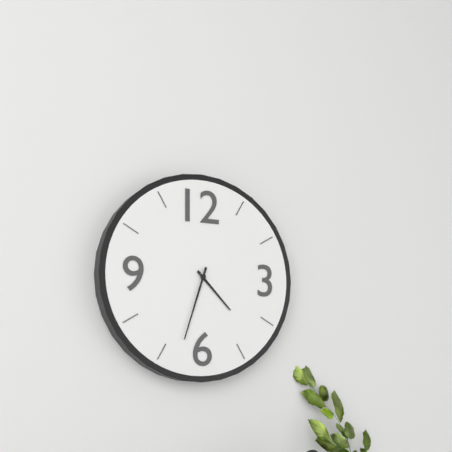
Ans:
4,33
